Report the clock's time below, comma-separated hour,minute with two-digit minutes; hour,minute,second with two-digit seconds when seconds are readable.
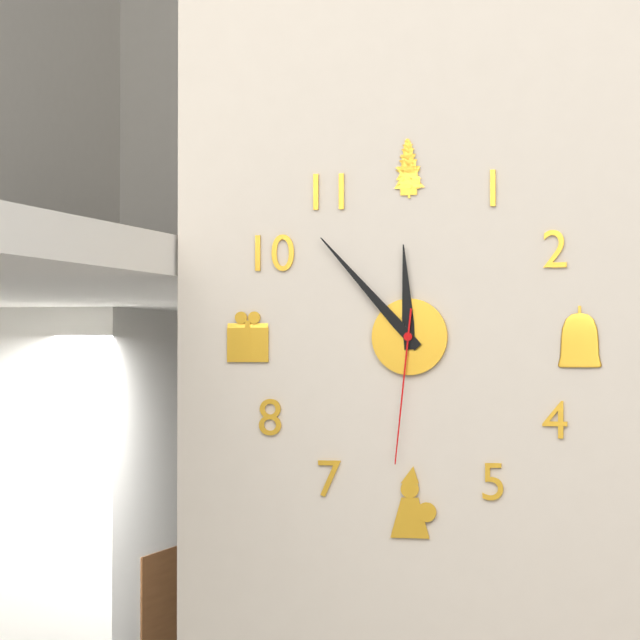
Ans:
11,53,31
